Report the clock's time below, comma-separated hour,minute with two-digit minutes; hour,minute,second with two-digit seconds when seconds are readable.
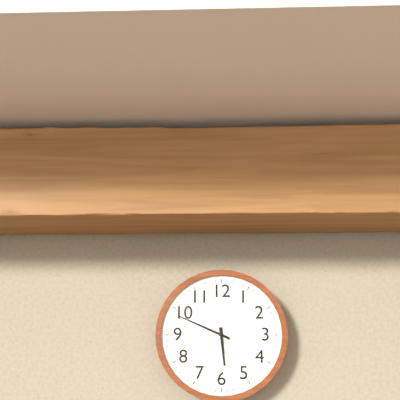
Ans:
5,49
